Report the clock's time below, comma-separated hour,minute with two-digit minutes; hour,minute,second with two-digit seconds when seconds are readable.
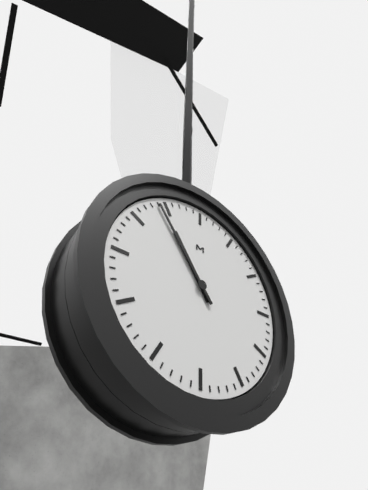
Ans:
10,54
